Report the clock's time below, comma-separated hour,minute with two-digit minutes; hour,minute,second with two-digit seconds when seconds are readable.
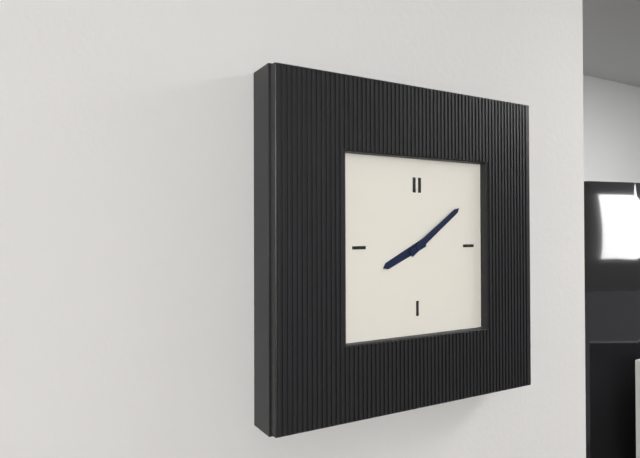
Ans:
8,09
